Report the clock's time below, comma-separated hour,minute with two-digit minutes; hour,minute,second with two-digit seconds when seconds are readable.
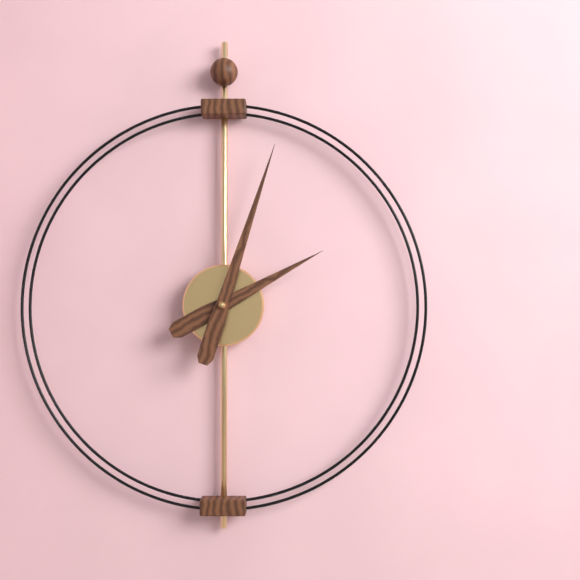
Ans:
2,03
